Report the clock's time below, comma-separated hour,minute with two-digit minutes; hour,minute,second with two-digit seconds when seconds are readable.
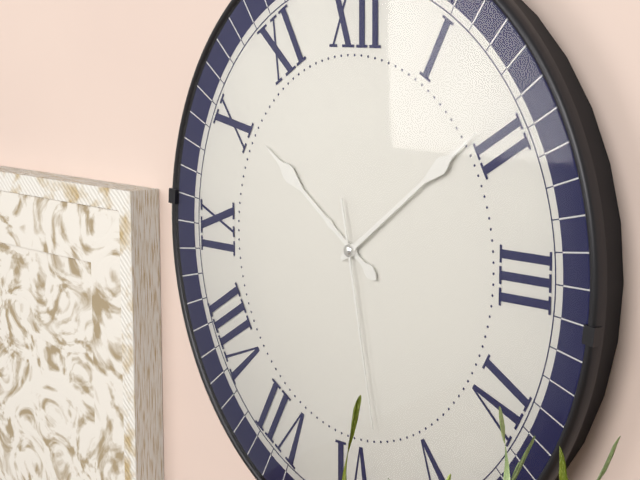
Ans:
10,09,28
